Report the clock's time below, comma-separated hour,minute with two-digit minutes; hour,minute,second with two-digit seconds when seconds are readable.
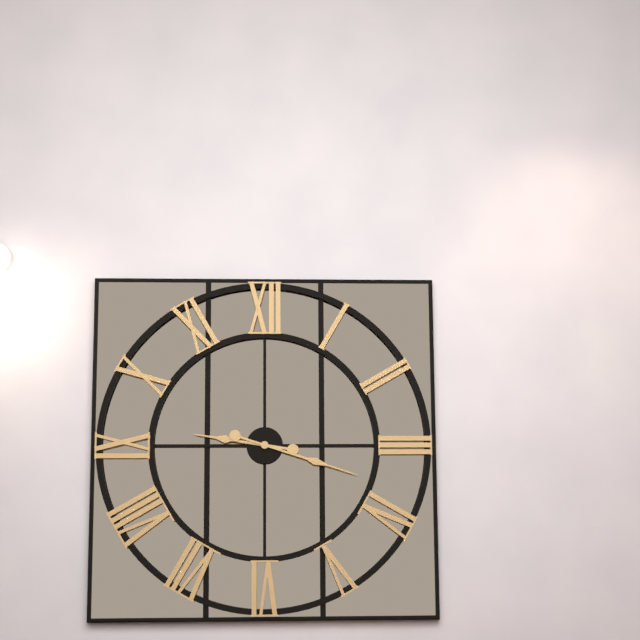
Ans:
9,18
